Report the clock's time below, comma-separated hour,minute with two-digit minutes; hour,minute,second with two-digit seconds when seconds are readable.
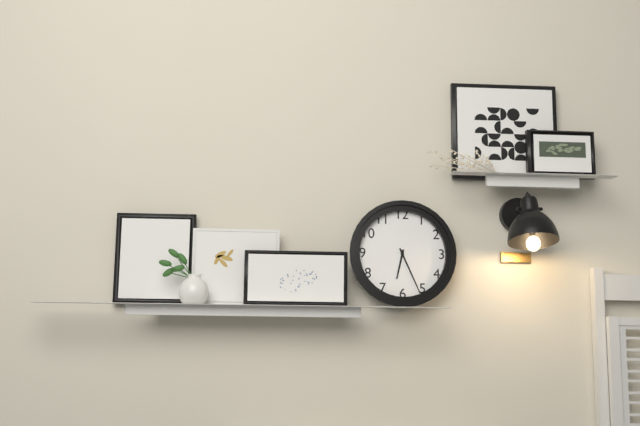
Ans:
6,26
